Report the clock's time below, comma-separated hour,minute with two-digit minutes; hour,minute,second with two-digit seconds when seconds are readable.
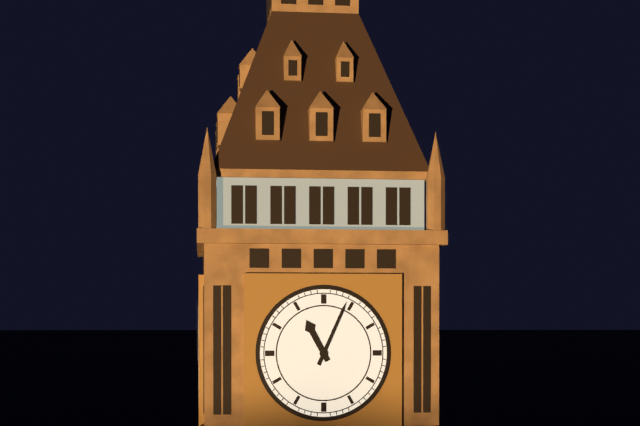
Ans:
11,04
